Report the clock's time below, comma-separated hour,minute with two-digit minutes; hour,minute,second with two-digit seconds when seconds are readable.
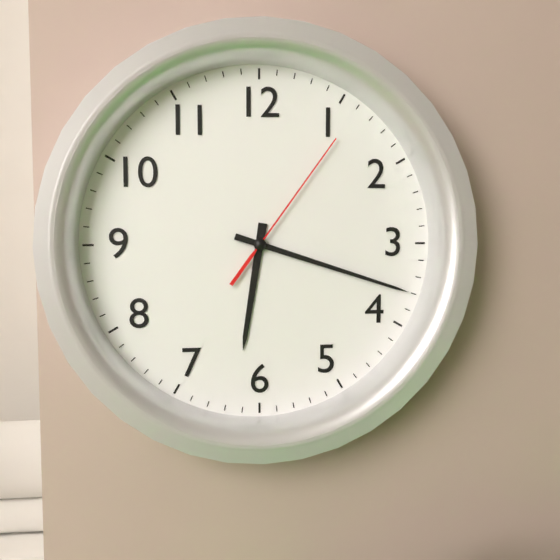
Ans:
6,18,06
